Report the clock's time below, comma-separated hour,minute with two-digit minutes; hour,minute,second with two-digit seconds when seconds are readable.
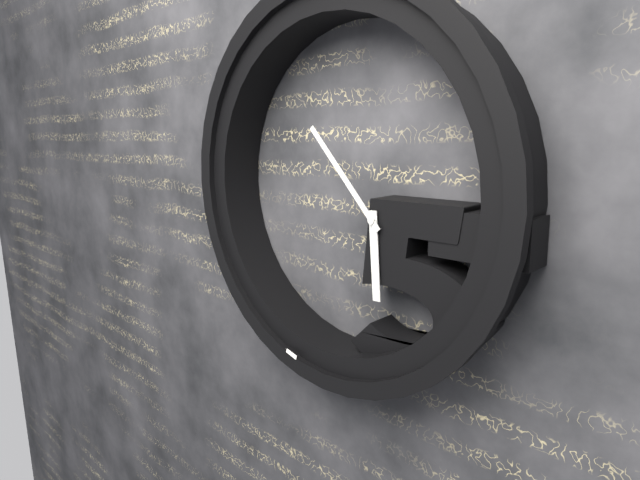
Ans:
5,53
